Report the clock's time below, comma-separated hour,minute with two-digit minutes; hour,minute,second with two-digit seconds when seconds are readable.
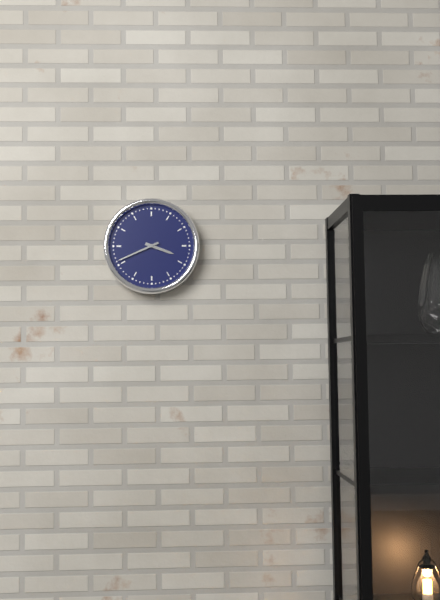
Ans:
3,41
